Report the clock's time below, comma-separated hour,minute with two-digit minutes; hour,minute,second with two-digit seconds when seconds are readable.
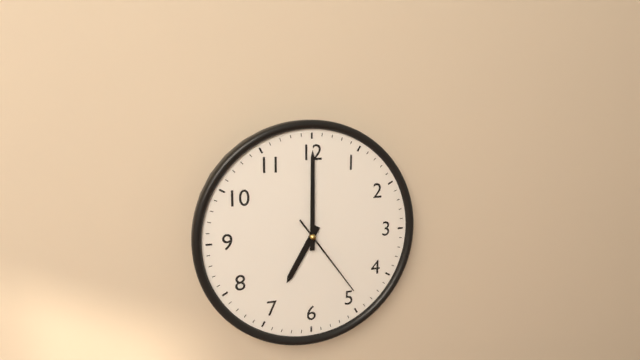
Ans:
7,00,24
